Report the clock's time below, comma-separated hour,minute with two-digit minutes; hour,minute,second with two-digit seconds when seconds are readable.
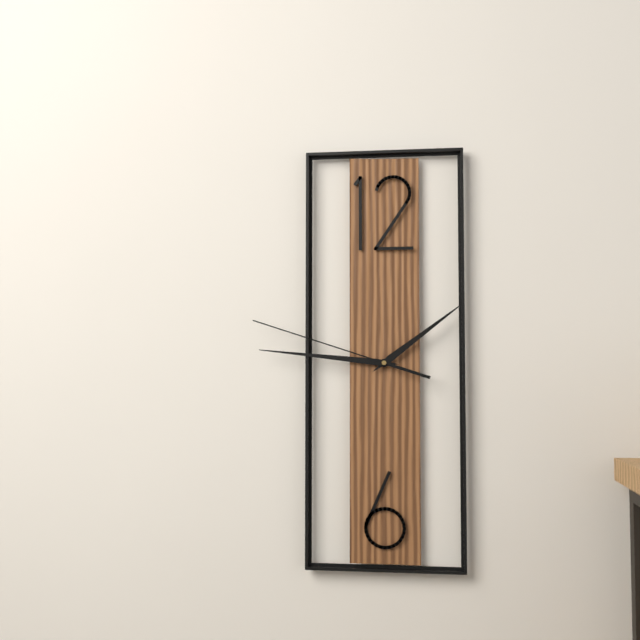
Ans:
1,46,48
